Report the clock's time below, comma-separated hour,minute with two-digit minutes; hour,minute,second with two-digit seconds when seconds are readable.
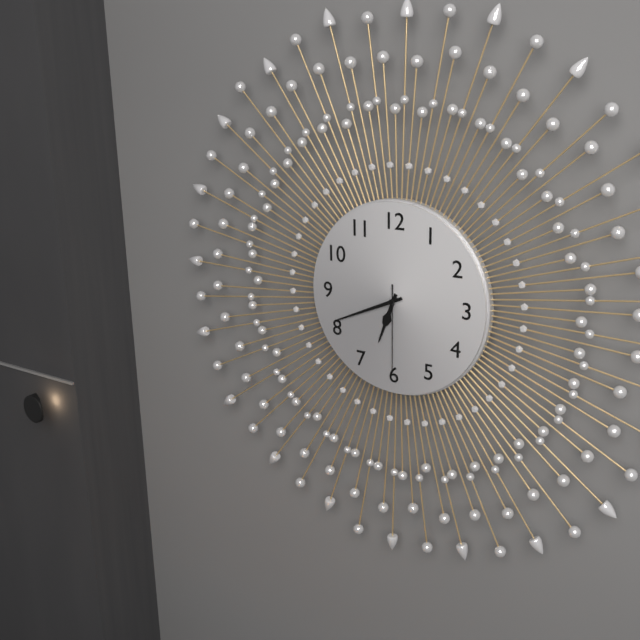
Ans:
6,41,30
